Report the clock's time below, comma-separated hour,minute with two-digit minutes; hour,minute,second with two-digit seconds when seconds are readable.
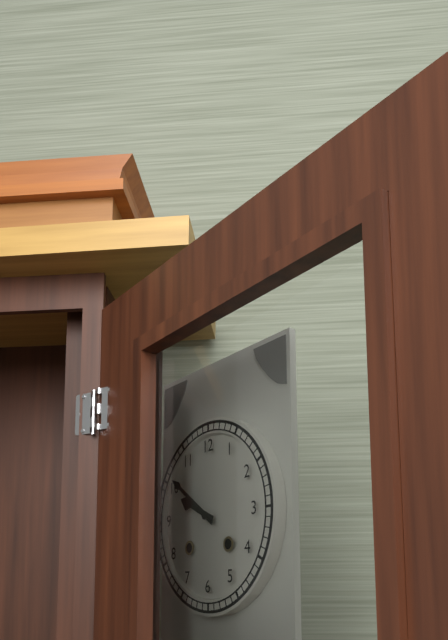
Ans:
9,51
